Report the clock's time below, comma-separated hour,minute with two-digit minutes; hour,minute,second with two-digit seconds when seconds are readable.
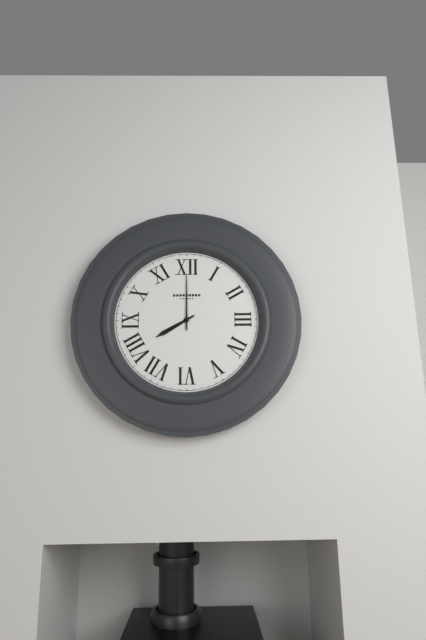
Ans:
8,00
